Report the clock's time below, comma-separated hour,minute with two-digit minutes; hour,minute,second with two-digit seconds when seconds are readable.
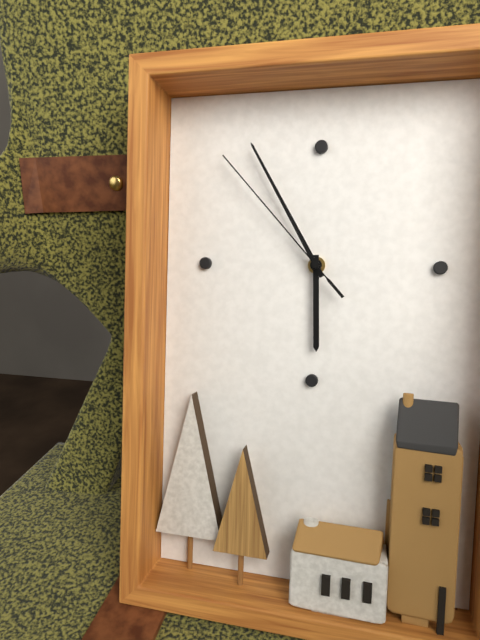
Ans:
5,55,53
